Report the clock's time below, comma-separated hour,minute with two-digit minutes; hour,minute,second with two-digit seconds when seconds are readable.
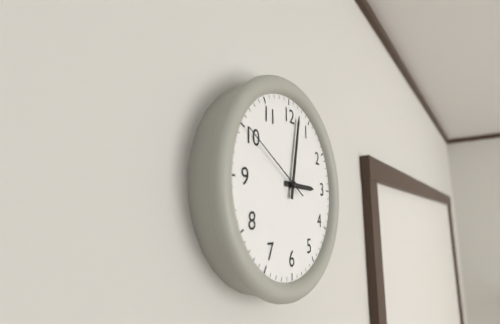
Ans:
3,02,50
